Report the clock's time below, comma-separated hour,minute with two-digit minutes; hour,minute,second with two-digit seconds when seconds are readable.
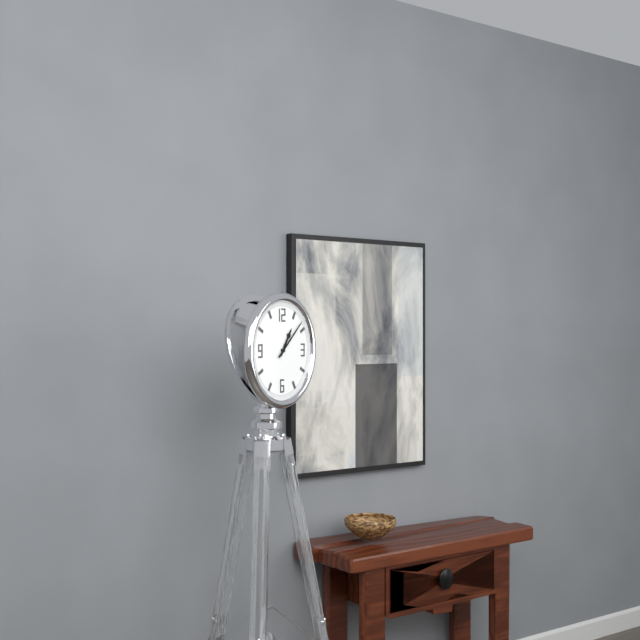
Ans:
1,08
